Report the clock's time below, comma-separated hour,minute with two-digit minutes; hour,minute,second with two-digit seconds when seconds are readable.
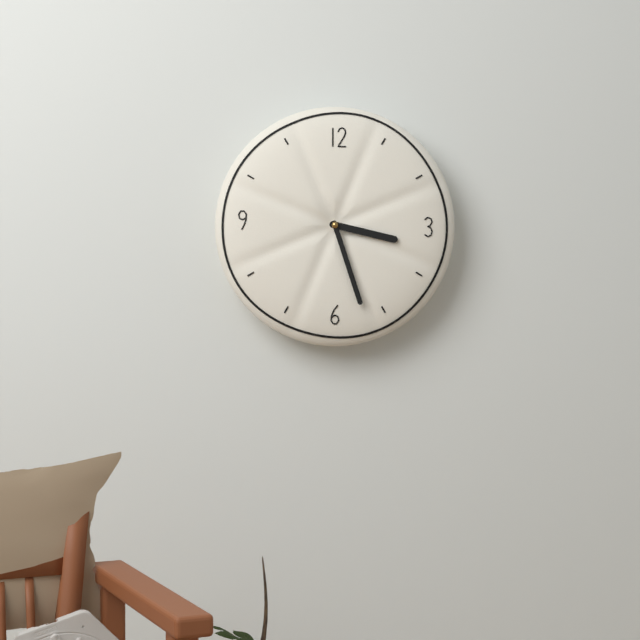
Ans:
3,27
